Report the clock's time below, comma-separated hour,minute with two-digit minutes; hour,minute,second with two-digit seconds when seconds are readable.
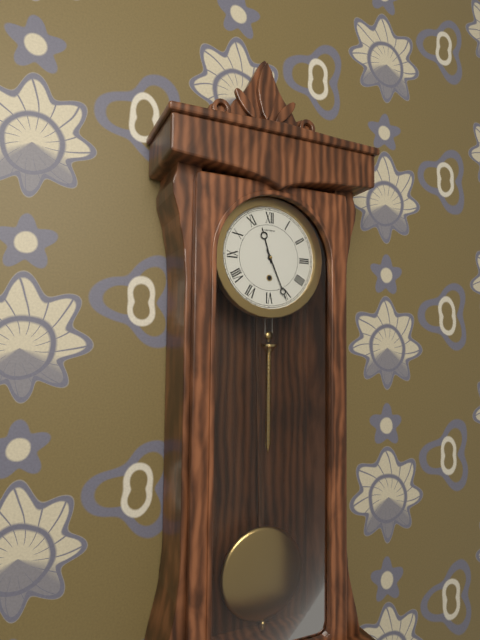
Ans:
11,26
